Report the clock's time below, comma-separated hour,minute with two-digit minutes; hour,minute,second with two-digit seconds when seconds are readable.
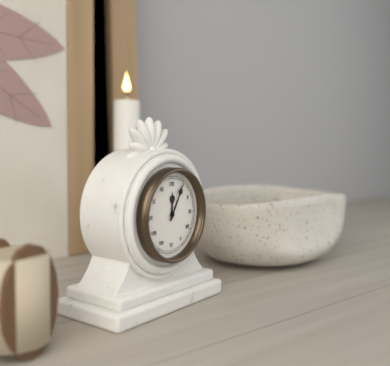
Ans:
12,05
